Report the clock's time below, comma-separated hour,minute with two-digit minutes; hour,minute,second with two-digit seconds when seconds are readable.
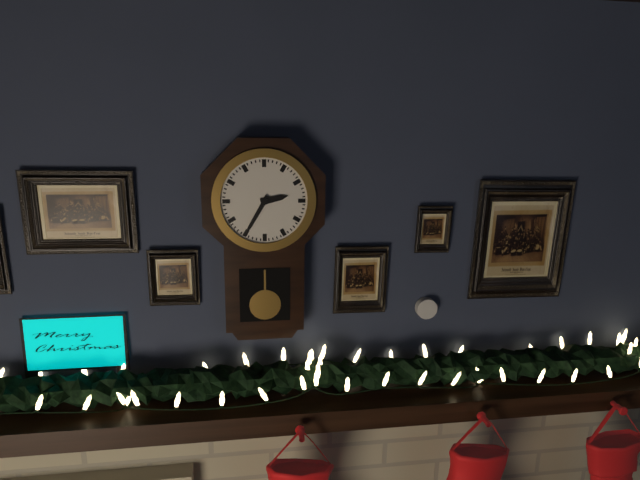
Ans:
2,35
